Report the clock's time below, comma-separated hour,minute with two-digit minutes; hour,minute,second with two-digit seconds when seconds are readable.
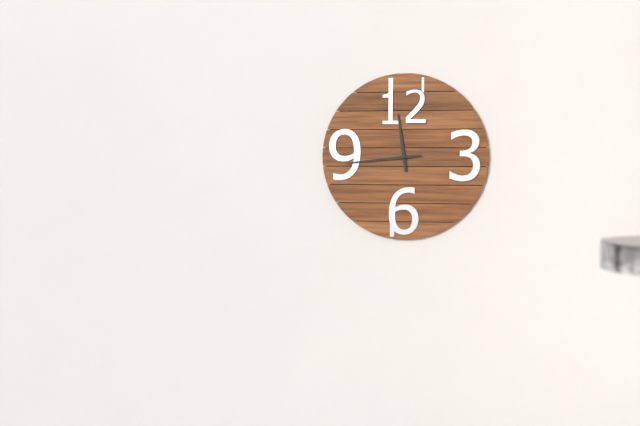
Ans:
11,44
